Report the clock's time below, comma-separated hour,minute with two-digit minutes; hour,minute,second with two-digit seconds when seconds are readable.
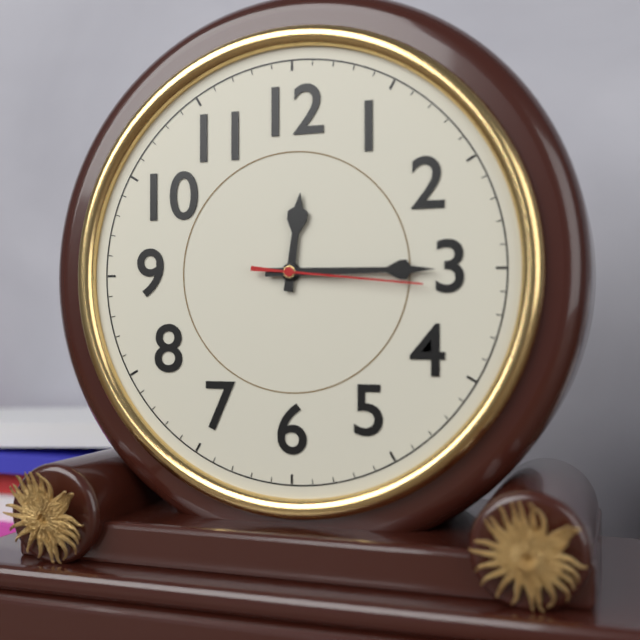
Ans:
12,15,16
